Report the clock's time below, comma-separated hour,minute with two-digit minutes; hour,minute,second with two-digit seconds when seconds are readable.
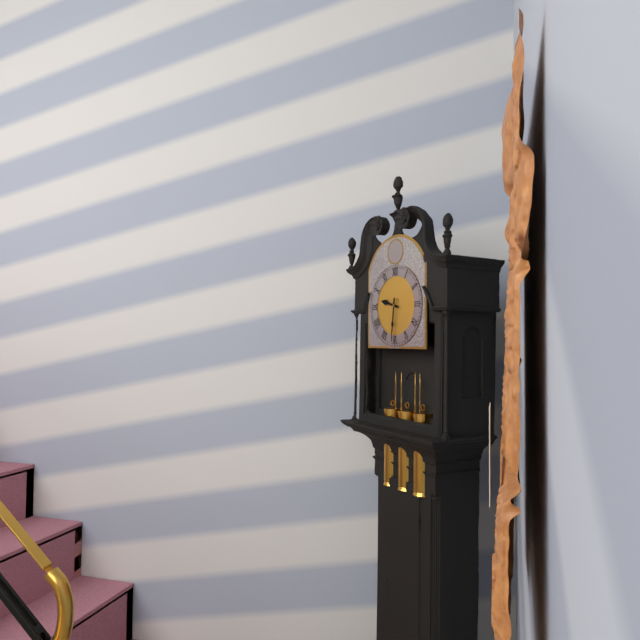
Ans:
9,31
